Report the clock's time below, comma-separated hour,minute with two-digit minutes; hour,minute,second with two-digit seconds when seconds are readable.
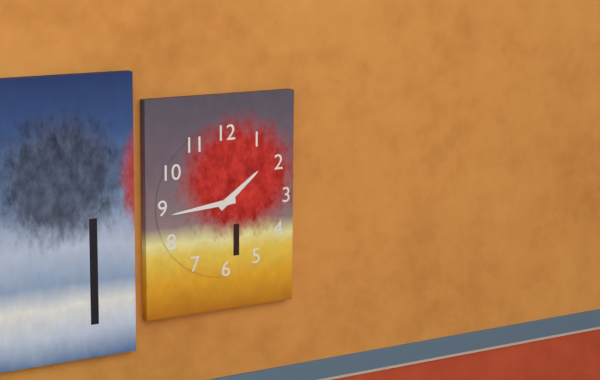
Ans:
1,44
